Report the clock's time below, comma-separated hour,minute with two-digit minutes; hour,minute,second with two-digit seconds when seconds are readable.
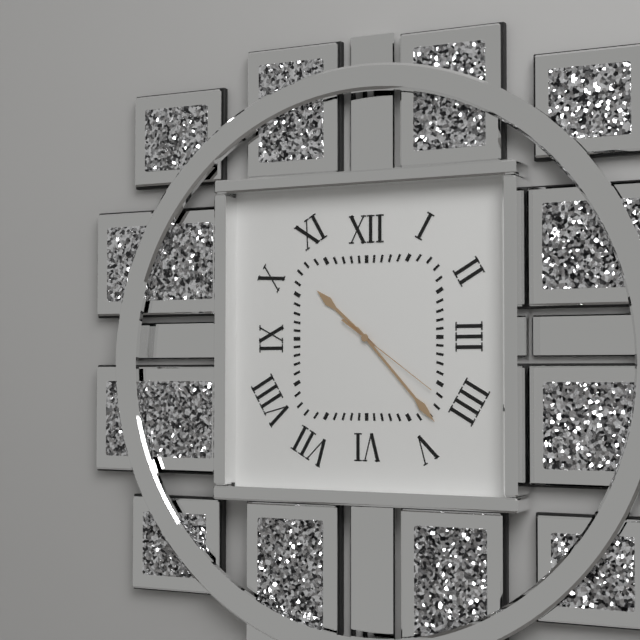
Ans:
10,23,21
